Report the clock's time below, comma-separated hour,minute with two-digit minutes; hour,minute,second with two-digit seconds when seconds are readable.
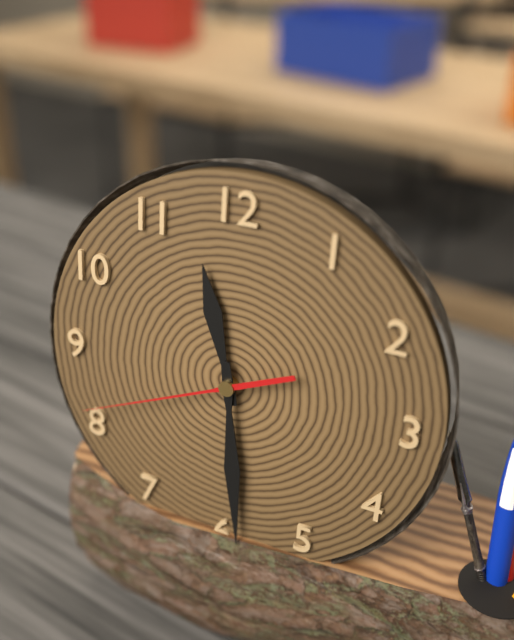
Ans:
11,29,41
